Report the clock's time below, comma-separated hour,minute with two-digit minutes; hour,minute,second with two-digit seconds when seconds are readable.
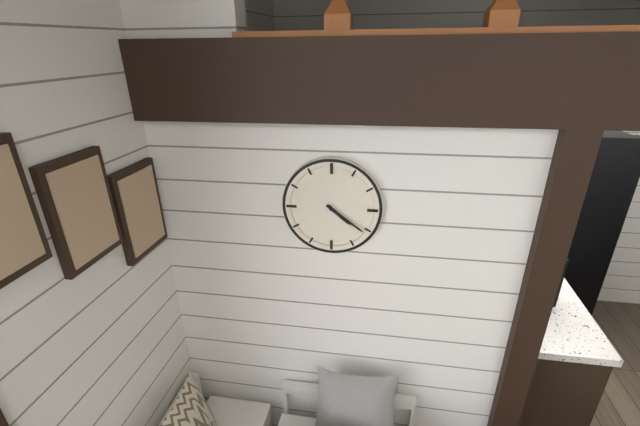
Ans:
4,21
